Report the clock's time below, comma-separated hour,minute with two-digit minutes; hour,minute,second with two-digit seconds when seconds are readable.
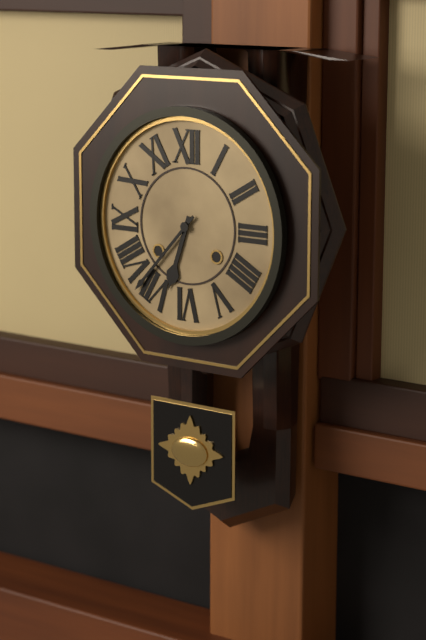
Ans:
6,37
